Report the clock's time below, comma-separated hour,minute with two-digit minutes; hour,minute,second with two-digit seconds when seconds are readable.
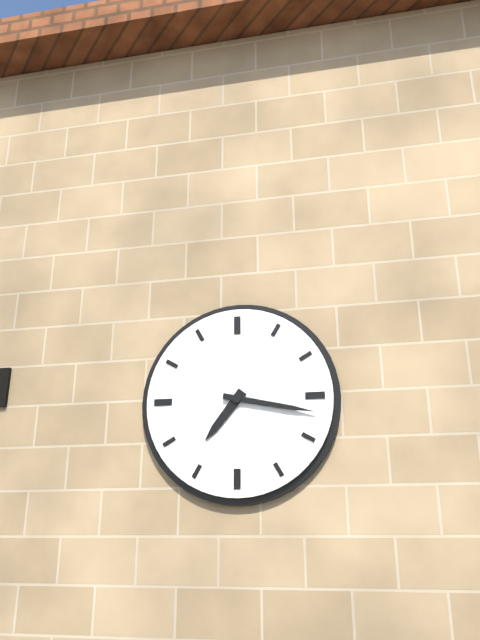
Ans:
7,17
